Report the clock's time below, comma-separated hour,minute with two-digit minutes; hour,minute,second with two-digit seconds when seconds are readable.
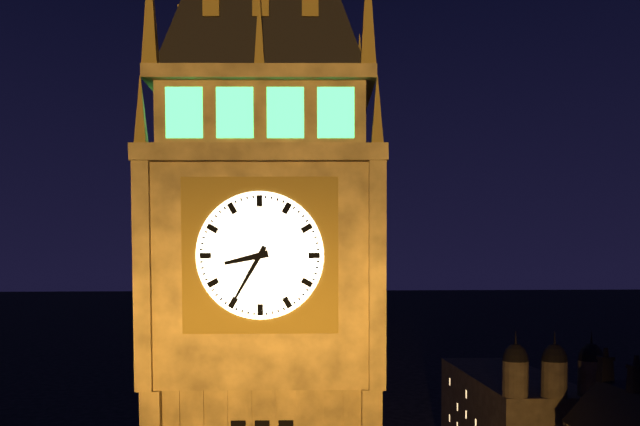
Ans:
8,35
